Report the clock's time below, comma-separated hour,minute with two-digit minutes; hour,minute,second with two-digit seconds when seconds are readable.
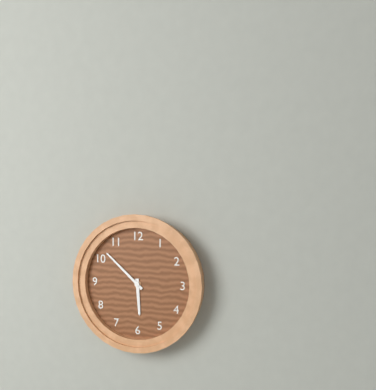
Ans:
5,52
